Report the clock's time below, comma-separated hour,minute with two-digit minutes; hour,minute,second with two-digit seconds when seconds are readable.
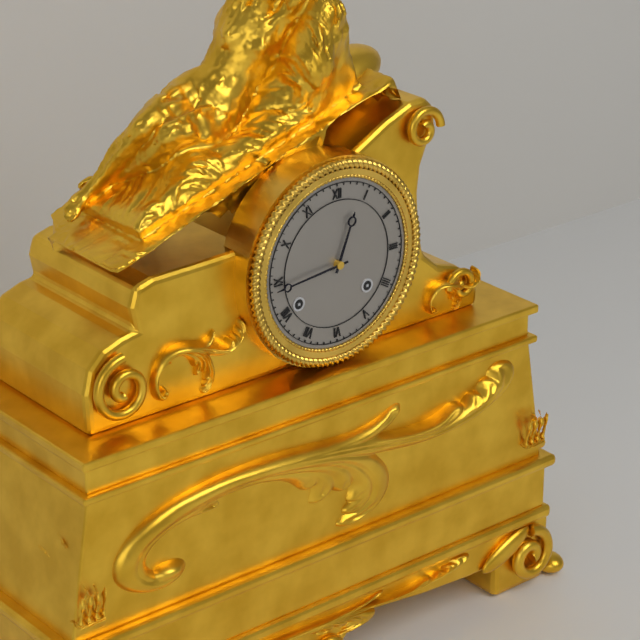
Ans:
12,44
